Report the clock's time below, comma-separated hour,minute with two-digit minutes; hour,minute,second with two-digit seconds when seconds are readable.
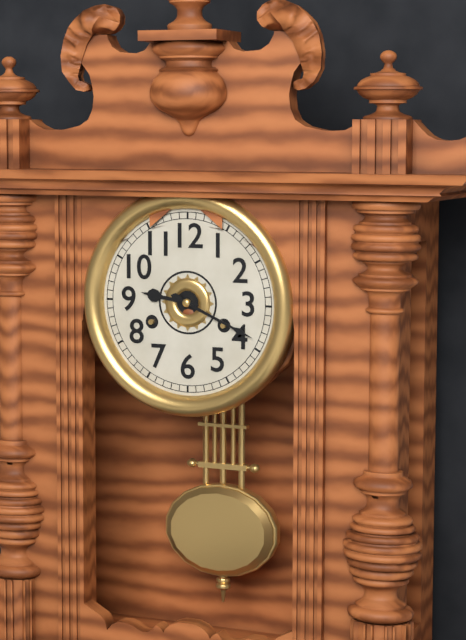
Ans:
9,19
